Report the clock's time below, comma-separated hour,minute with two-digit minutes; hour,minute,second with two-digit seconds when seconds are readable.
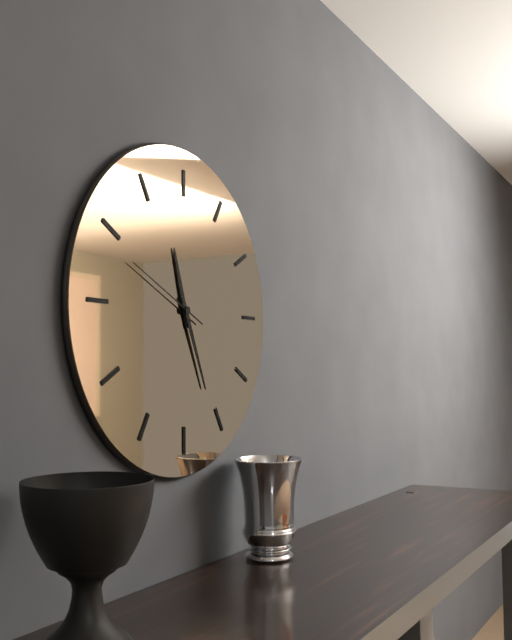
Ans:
11,26,49
